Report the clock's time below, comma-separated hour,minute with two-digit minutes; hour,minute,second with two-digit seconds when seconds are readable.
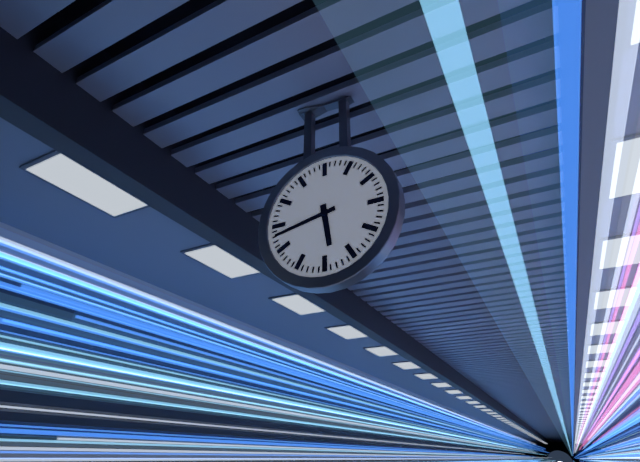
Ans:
5,43
